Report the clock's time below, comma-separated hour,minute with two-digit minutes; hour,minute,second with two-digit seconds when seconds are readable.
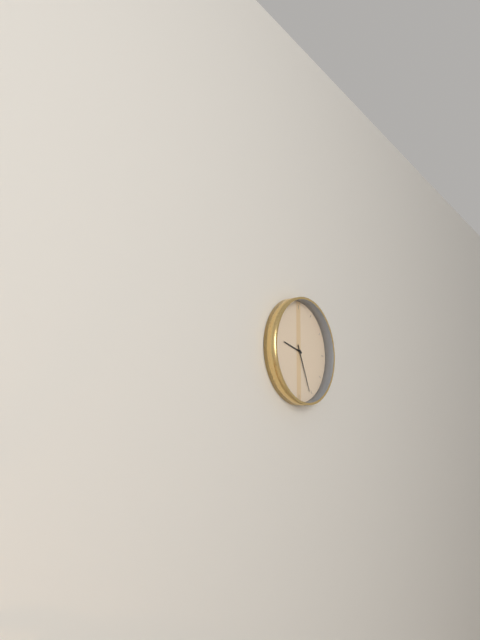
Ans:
9,26
